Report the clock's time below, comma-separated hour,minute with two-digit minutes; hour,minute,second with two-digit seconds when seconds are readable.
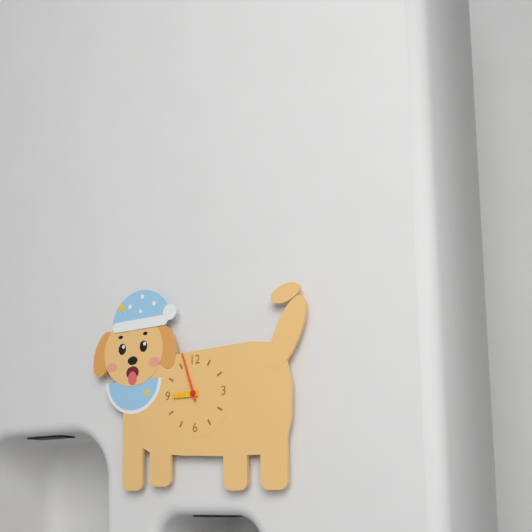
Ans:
8,57
